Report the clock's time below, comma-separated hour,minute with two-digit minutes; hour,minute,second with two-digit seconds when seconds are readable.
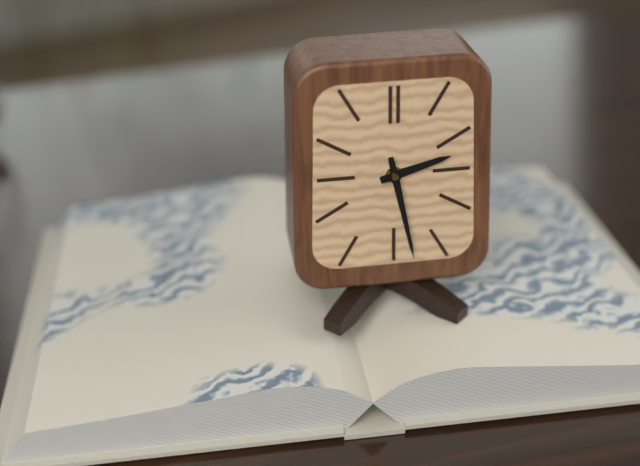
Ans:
2,28
